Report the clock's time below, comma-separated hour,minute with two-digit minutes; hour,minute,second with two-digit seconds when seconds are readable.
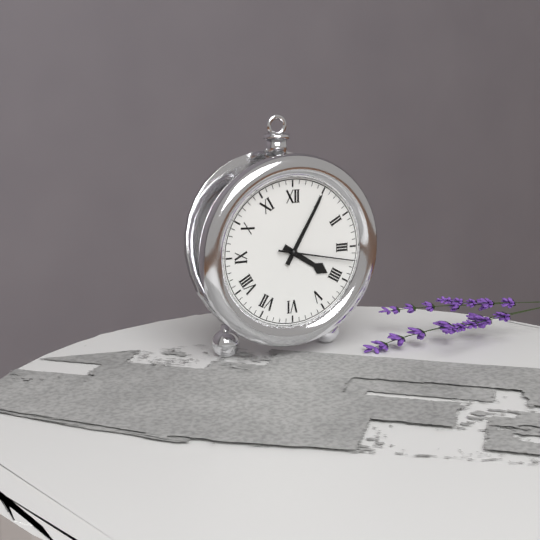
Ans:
4,05,17
